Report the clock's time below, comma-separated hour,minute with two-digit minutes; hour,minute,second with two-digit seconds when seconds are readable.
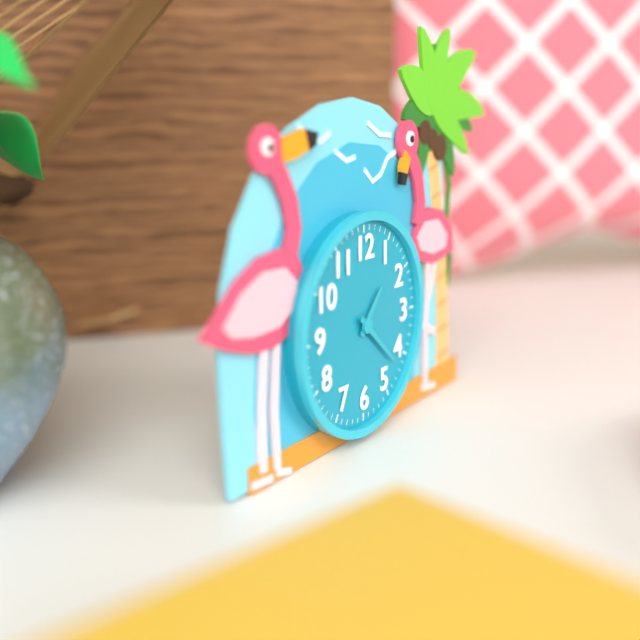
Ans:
1,22
